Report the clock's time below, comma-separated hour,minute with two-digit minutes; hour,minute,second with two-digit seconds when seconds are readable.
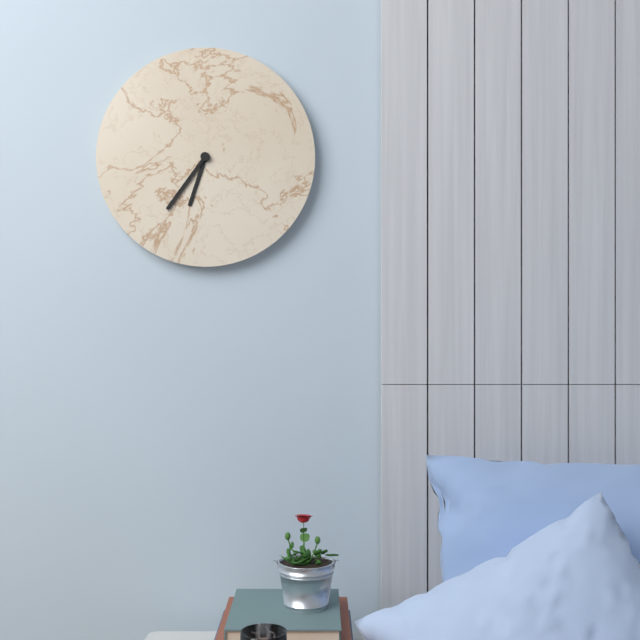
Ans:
6,36
